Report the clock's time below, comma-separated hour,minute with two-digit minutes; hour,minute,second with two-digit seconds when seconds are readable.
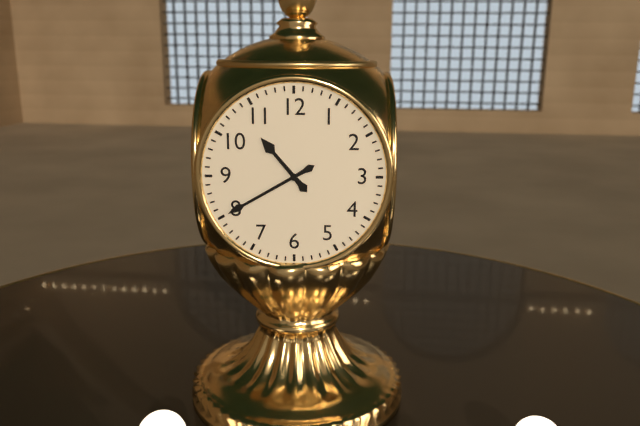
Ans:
10,40
